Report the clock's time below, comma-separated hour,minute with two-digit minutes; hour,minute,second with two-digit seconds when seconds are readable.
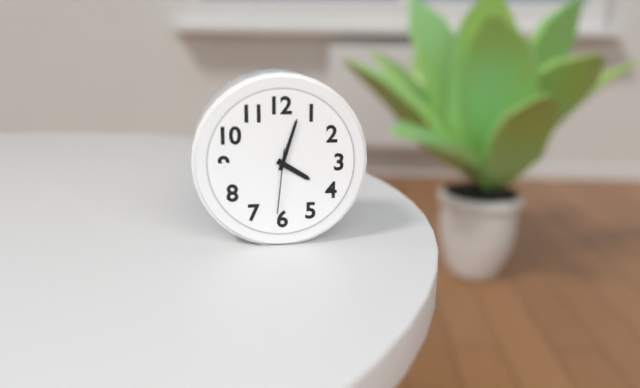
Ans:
4,03,31
